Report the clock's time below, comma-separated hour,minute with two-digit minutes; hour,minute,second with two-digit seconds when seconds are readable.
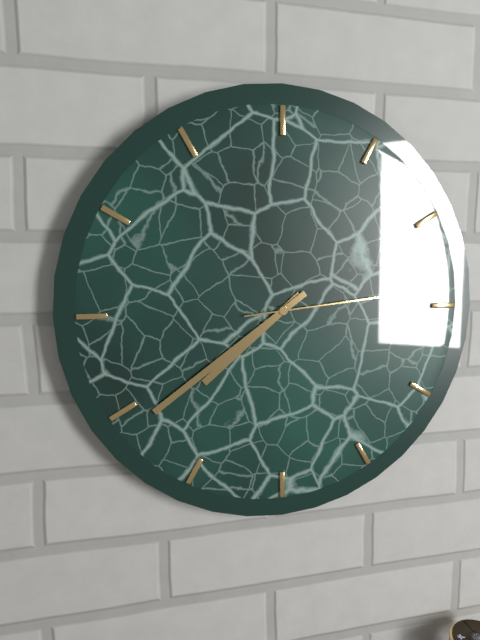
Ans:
7,39,14
